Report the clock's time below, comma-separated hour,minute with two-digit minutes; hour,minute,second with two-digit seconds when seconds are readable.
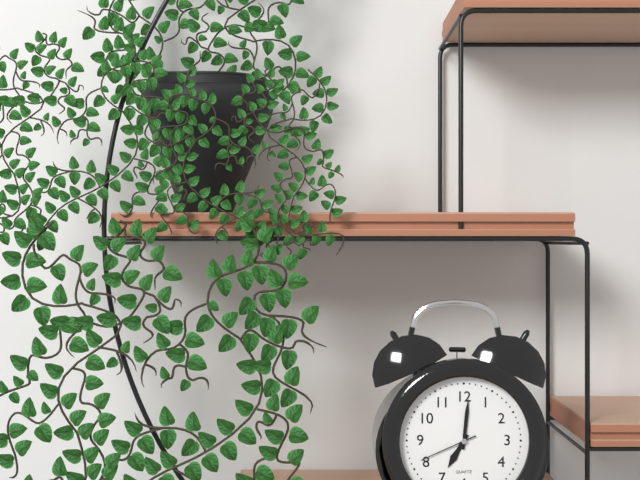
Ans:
7,01,41
